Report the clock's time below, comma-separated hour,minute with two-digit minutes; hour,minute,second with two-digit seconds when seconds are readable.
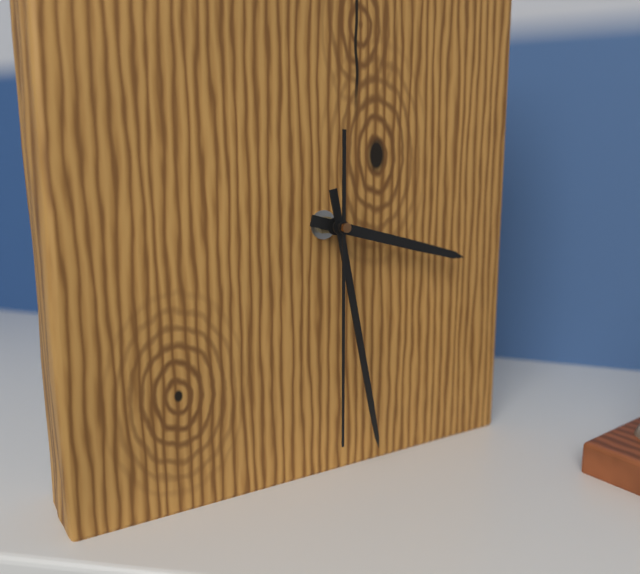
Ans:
3,28,30
